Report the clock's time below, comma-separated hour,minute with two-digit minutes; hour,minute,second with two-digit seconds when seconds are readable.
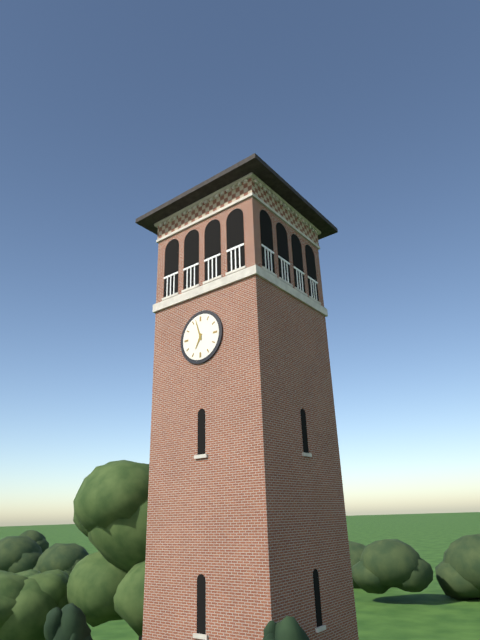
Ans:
6,57
